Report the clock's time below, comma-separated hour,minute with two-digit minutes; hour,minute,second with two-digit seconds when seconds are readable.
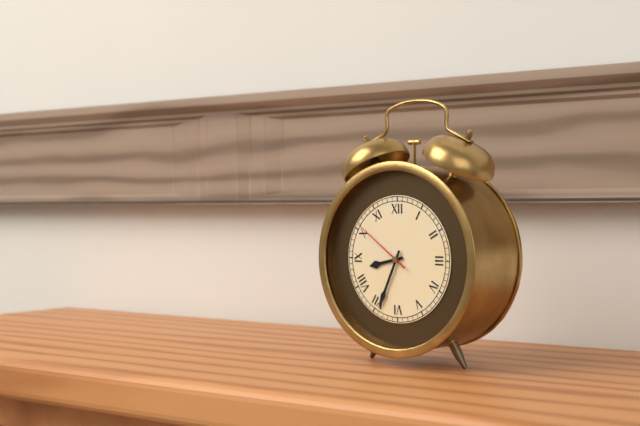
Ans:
8,34,51
